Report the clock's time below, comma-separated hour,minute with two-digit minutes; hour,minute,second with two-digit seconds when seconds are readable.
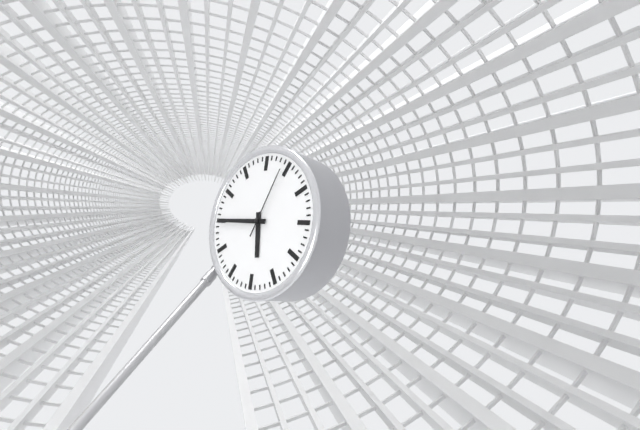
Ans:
5,45,04
